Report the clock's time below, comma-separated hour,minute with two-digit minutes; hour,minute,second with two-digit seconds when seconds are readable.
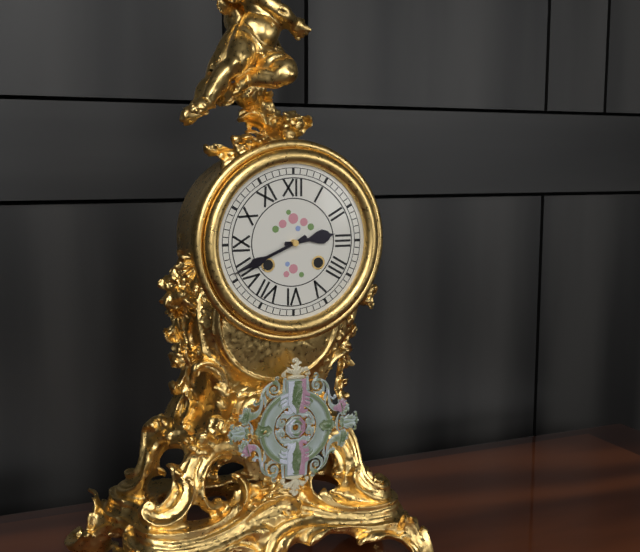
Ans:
2,41
